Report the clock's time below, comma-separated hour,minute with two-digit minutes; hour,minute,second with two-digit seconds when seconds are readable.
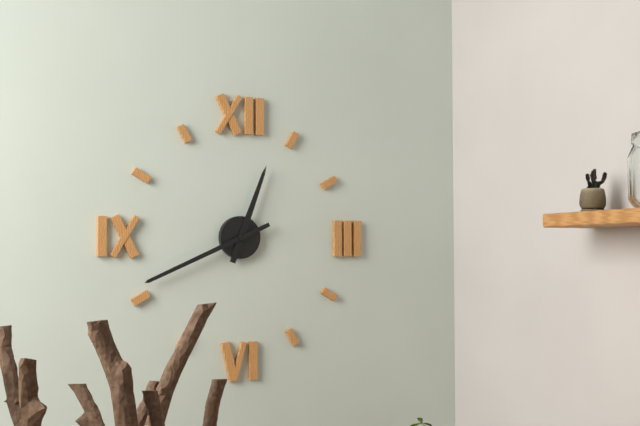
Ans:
12,41
